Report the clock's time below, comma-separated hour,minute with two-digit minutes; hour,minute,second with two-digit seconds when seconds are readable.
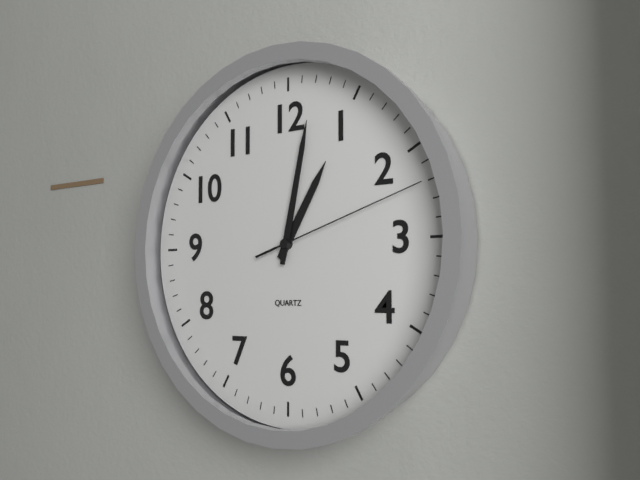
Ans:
1,02,12
